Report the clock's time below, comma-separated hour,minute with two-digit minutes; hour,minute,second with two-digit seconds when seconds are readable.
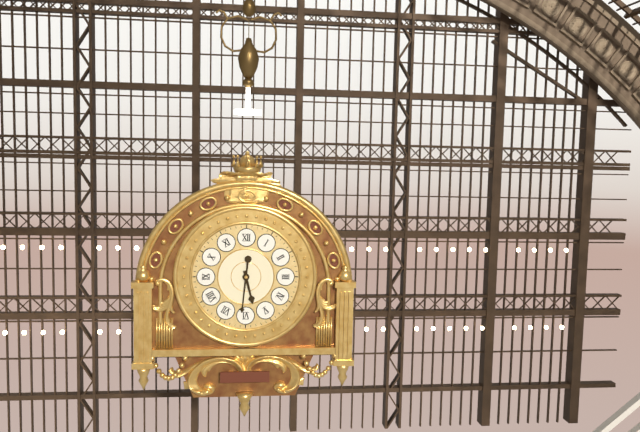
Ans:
5,31
